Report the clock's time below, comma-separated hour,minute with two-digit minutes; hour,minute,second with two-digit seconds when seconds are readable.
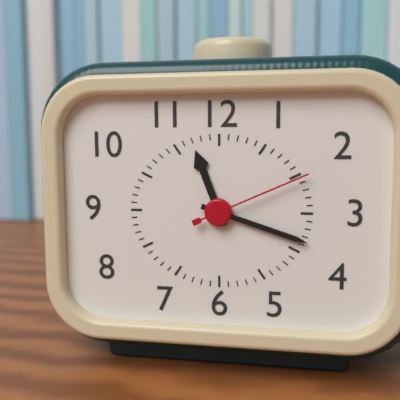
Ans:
11,18,11
